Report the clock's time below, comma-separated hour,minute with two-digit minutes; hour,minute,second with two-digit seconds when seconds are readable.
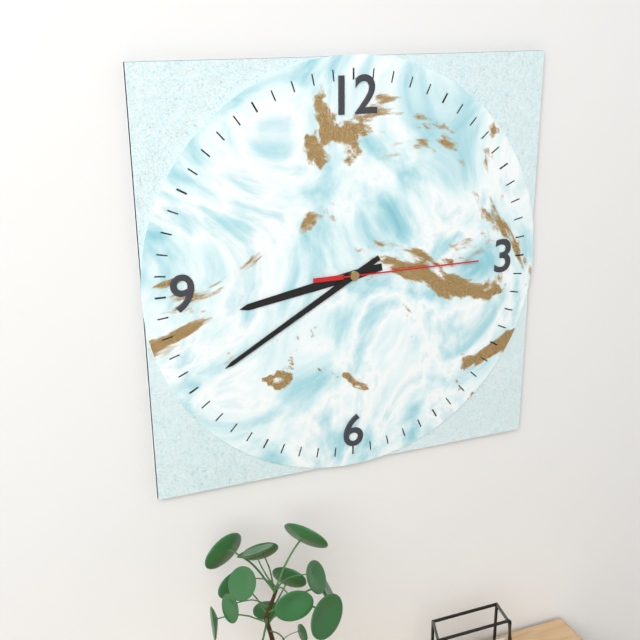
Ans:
8,40,15
